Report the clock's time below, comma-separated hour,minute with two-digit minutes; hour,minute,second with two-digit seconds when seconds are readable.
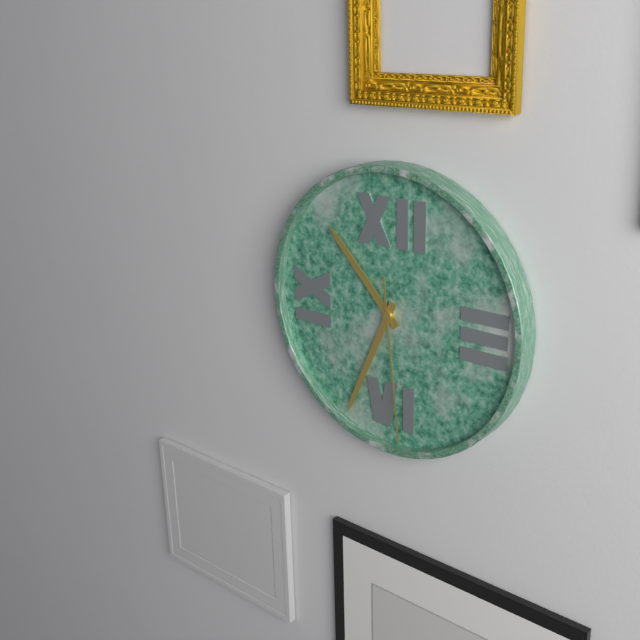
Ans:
10,34,29
